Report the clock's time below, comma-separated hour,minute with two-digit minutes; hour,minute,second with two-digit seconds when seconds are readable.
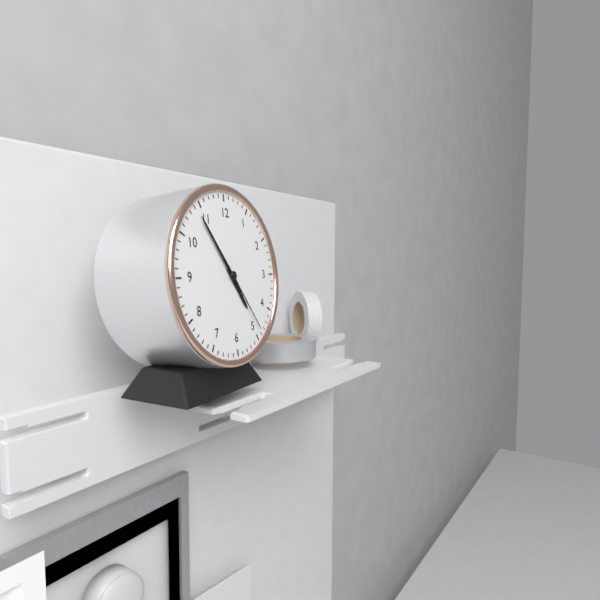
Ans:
4,54,24
